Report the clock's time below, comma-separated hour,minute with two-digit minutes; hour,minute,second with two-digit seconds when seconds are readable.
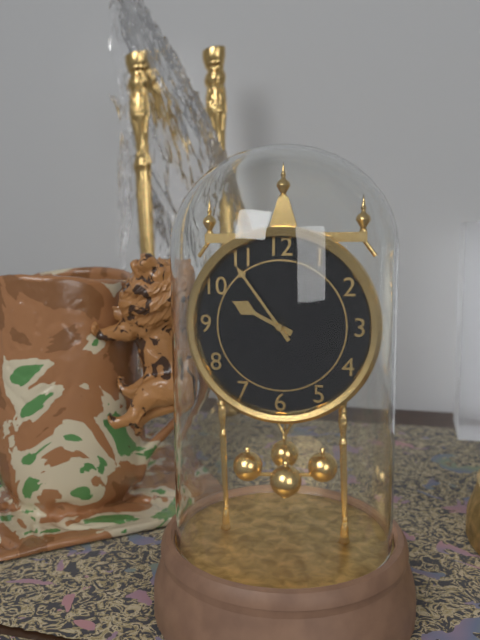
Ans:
9,54
